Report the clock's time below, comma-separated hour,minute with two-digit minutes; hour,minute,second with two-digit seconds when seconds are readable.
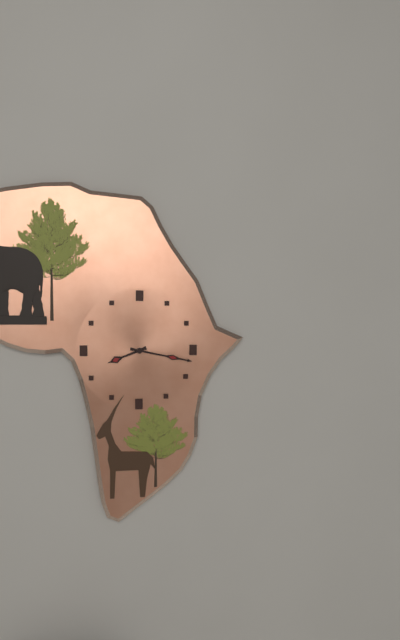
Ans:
8,17
